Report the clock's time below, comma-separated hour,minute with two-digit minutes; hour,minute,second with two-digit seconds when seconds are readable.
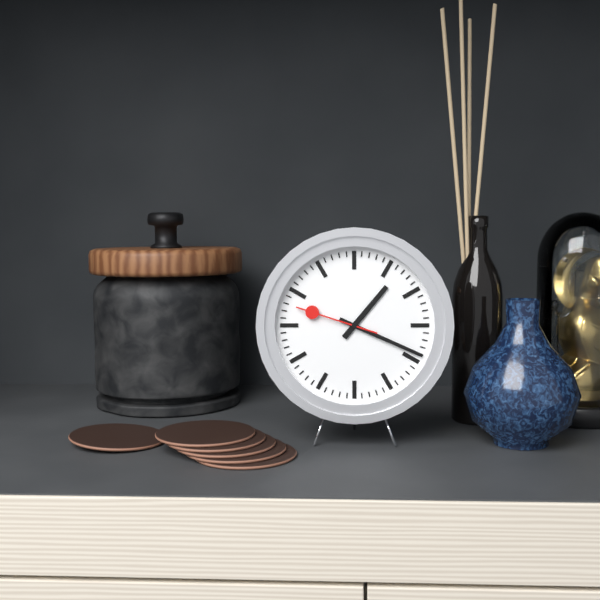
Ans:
1,19,48
